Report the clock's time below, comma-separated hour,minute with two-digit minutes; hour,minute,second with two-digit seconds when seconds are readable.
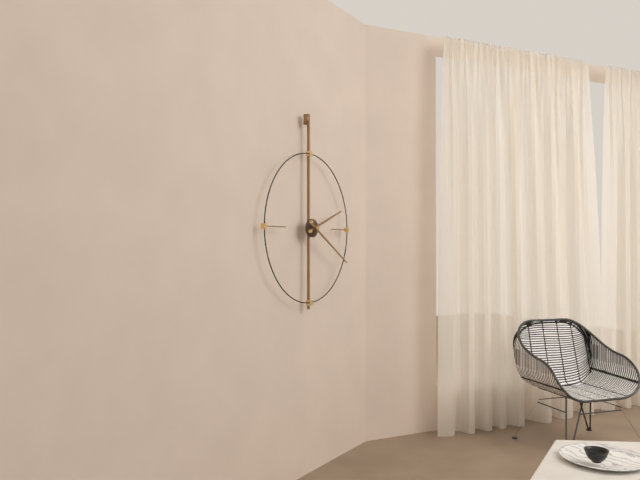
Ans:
2,20
